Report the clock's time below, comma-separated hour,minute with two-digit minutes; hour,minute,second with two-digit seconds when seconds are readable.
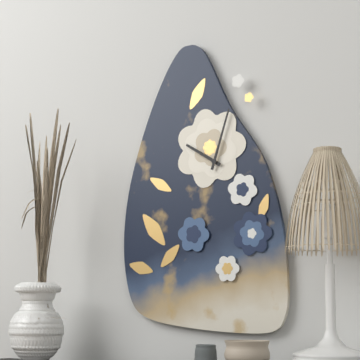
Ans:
10,03
